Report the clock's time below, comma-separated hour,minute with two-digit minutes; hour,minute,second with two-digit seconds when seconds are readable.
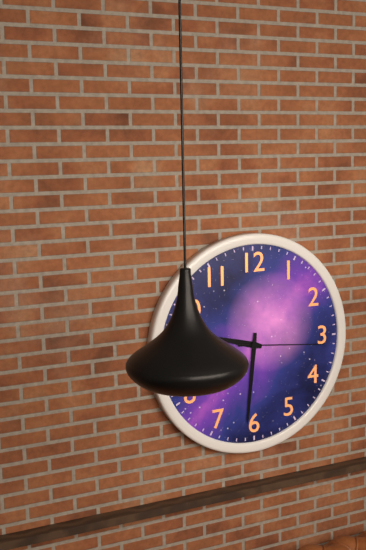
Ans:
9,31,16
